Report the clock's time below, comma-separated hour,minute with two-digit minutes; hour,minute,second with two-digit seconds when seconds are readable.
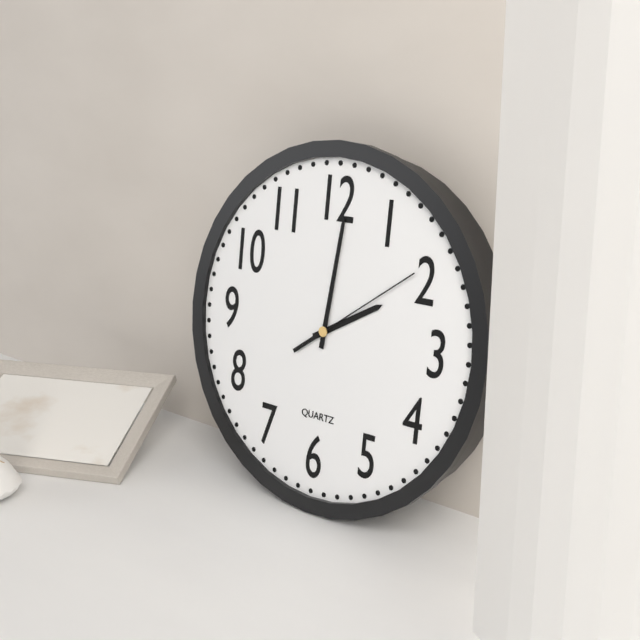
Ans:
2,01,09
